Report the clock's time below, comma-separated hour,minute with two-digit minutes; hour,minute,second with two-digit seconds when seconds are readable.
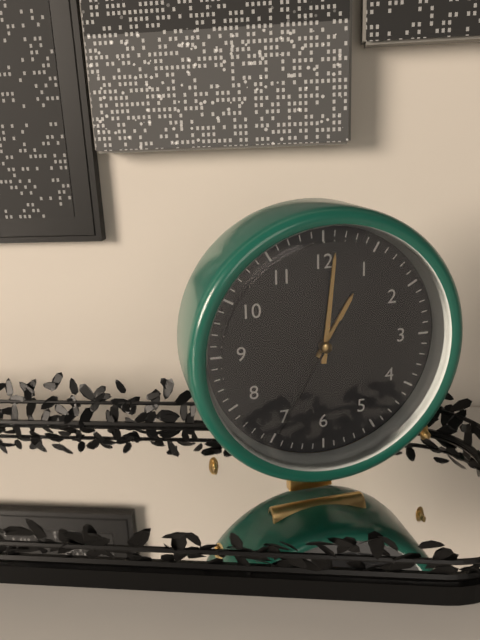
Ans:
1,01,35
